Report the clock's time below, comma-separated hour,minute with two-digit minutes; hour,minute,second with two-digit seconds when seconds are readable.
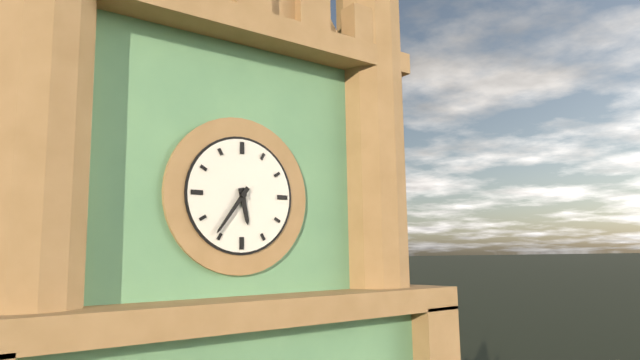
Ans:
5,36
